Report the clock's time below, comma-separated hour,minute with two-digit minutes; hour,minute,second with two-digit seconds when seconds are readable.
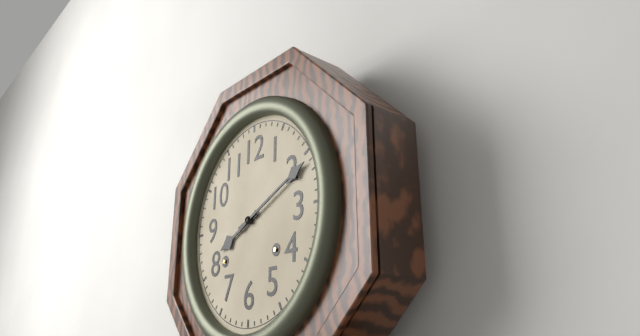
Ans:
8,11
